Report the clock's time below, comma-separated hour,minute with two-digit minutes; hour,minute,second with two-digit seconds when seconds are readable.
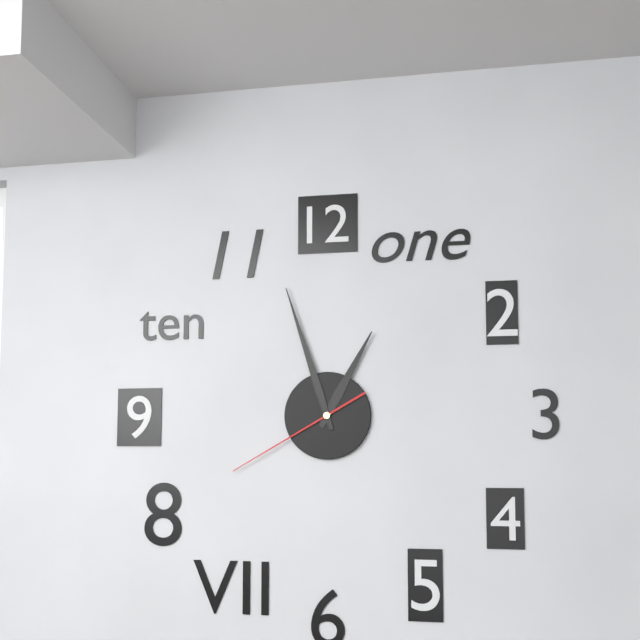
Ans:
12,57,40
